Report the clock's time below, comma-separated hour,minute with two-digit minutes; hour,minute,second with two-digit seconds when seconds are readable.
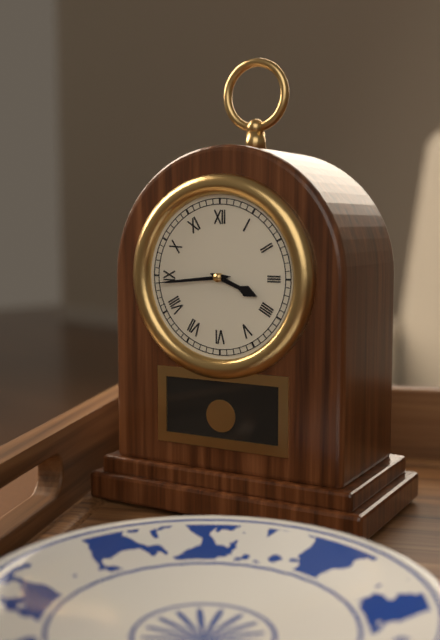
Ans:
3,44
